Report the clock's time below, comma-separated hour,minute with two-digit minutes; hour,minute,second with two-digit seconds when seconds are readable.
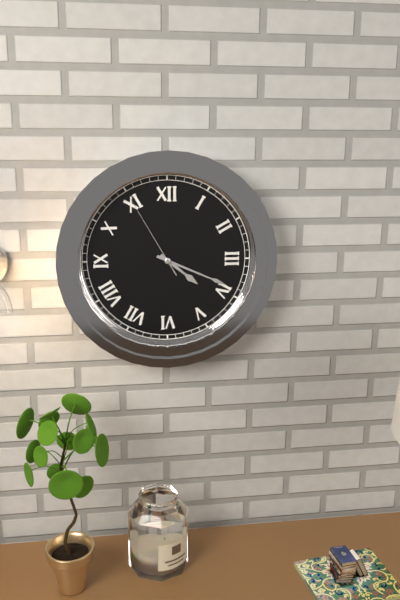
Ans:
4,19,55
